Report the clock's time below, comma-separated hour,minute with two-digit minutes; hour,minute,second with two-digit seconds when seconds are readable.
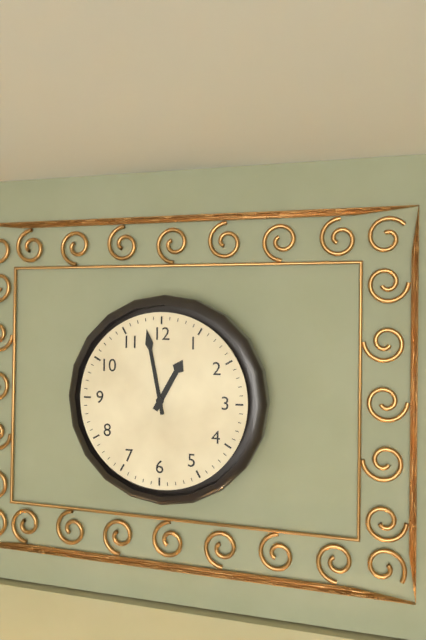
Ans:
12,58
